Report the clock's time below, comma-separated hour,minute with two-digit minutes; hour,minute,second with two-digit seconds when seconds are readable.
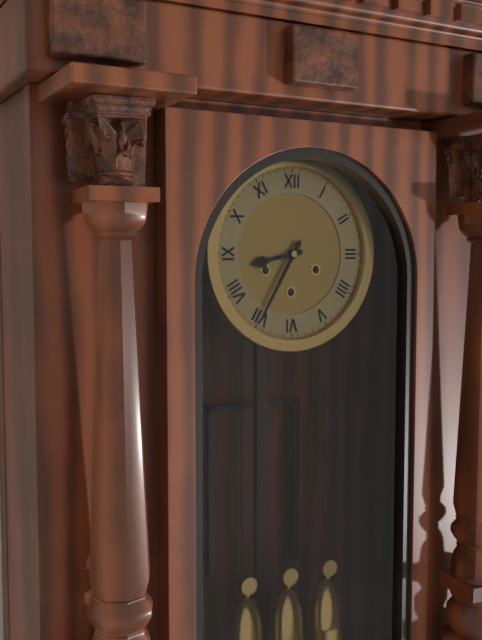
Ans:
8,35
